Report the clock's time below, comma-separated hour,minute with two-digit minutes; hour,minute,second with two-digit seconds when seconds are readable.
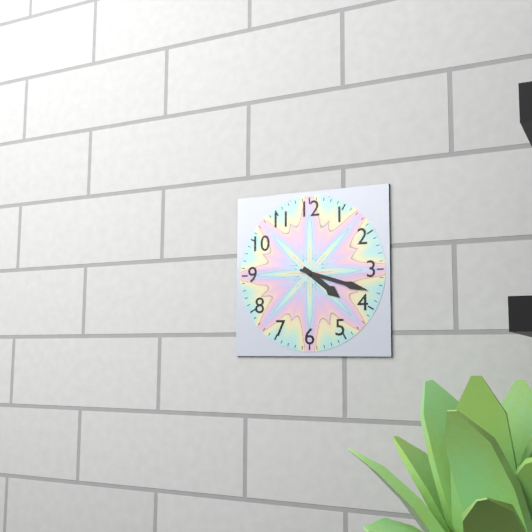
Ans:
4,18
